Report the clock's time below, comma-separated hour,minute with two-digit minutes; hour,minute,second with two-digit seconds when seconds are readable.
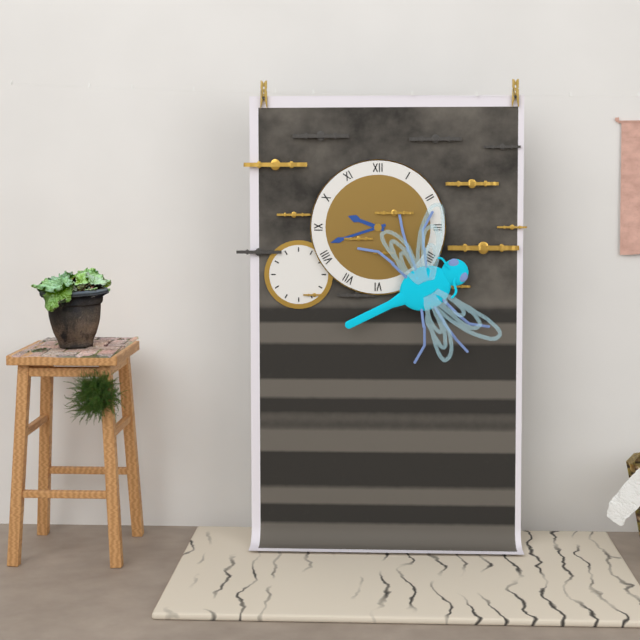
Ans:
9,42
